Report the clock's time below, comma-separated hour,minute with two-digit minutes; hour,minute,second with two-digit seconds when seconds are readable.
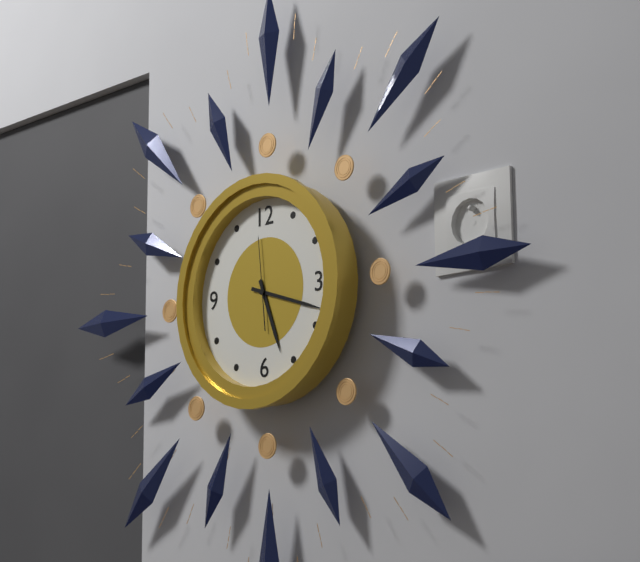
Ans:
5,18,59
